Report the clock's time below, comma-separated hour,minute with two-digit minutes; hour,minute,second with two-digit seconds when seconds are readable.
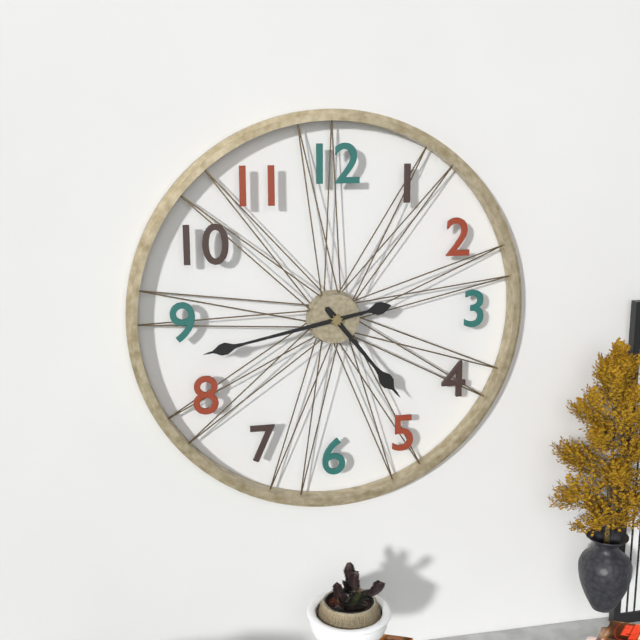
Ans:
4,43
